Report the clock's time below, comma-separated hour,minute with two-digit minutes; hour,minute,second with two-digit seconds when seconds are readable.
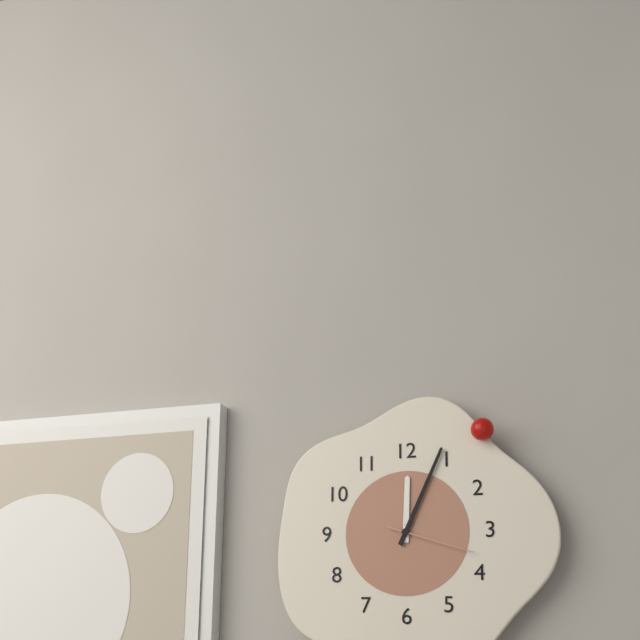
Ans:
12,04,18
